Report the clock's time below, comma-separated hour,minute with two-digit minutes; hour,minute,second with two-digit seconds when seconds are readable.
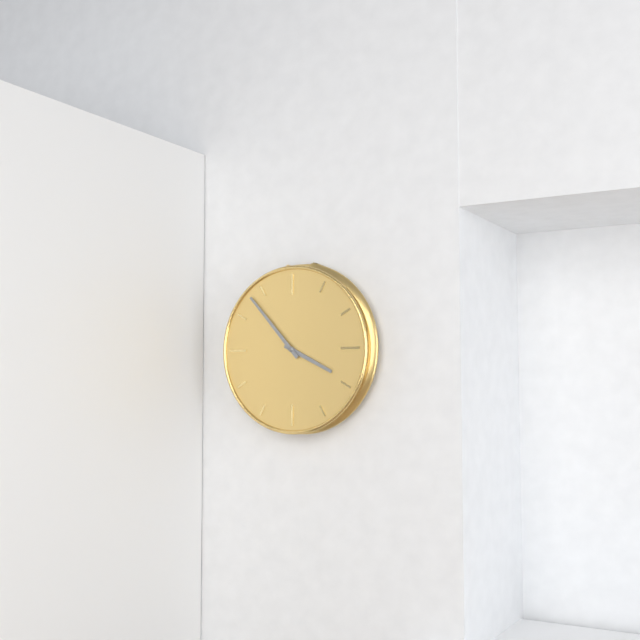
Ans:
3,53
